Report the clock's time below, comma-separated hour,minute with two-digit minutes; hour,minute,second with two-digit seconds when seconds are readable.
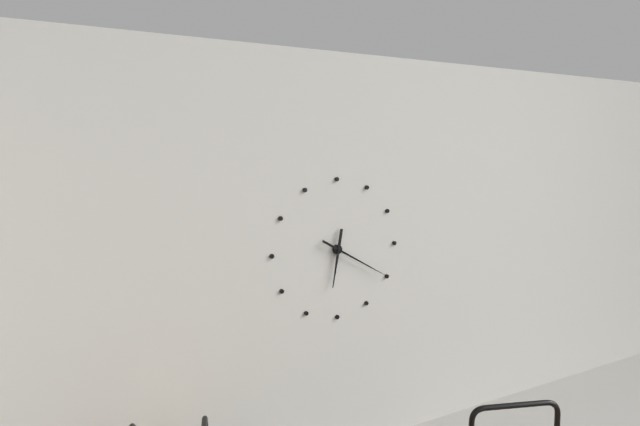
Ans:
6,20
